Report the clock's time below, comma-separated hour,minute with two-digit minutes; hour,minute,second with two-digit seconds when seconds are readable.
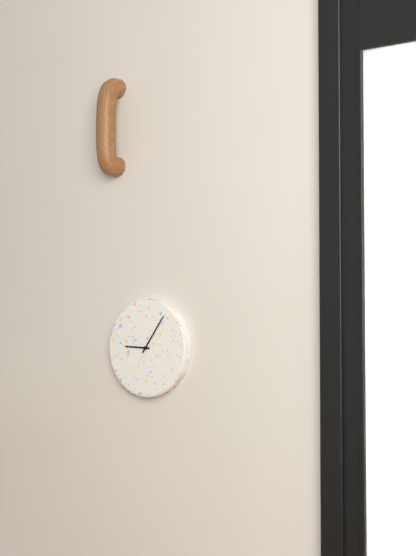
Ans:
9,06
